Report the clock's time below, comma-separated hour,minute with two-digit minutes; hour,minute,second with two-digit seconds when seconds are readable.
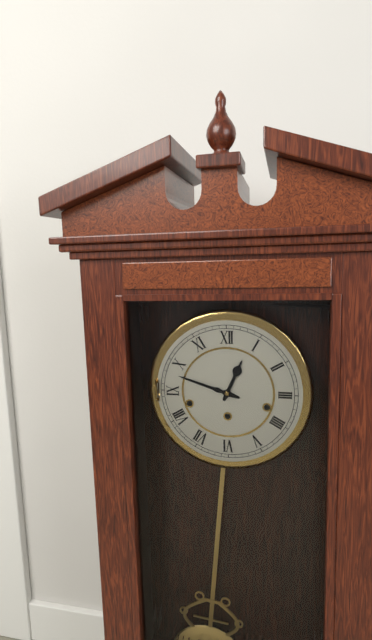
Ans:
12,48
